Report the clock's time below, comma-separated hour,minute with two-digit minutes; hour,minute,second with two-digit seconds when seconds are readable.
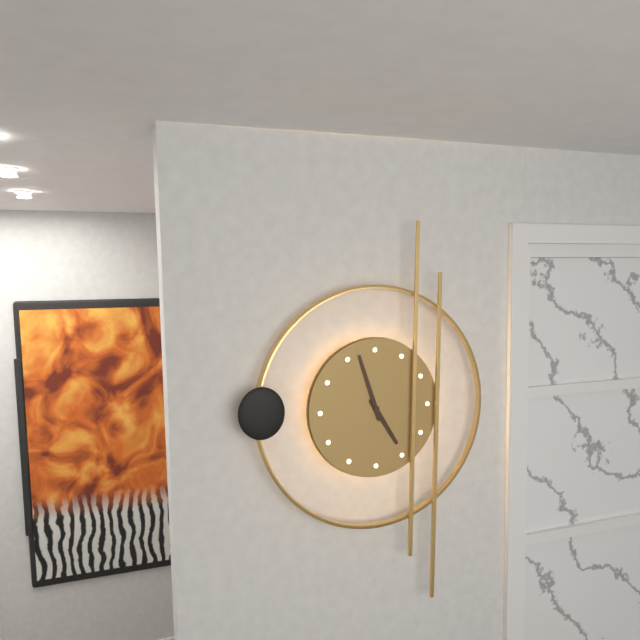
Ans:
4,57
